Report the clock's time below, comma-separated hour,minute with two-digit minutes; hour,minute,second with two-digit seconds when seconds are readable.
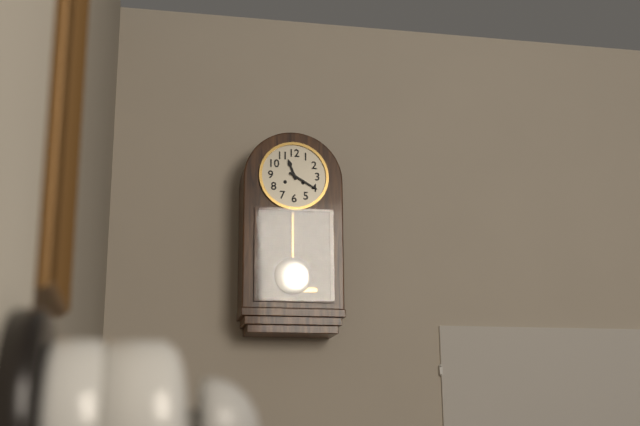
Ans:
11,20
